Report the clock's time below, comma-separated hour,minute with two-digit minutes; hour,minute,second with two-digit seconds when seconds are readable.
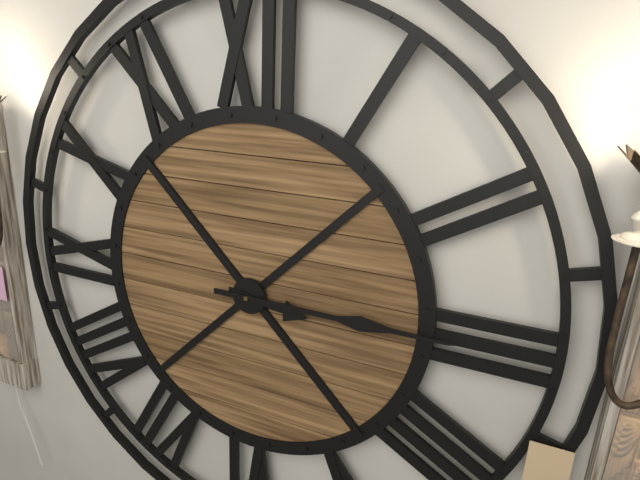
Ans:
3,15
